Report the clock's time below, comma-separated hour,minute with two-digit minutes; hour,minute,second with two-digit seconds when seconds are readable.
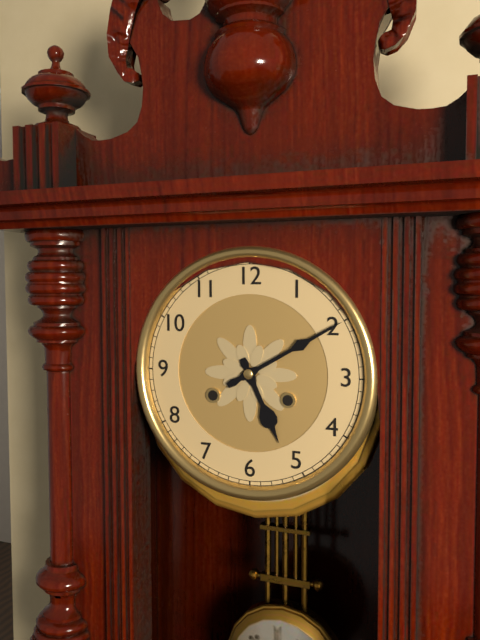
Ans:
5,10
